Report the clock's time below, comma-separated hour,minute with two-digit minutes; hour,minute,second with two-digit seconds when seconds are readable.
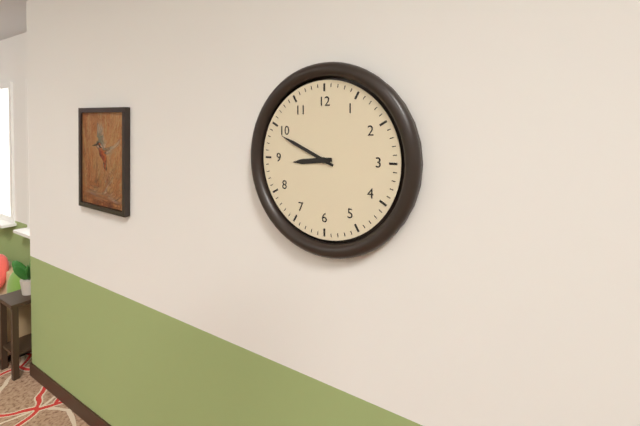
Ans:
8,49
